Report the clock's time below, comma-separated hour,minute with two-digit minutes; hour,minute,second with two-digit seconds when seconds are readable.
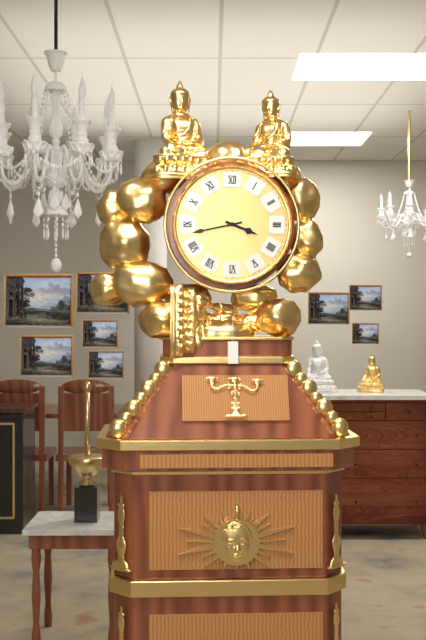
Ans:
3,43
